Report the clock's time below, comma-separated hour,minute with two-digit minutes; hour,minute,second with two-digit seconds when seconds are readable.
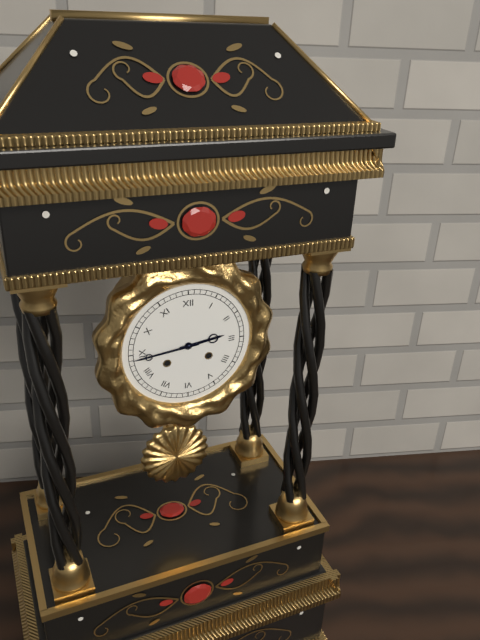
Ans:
2,44
